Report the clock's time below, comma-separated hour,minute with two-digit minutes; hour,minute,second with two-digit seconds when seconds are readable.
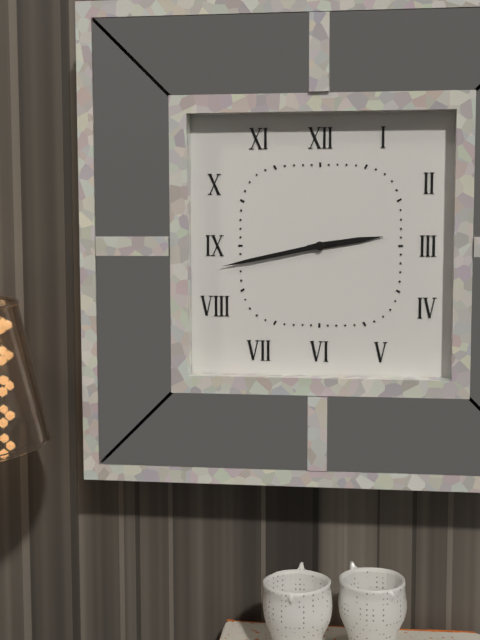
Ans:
2,43
